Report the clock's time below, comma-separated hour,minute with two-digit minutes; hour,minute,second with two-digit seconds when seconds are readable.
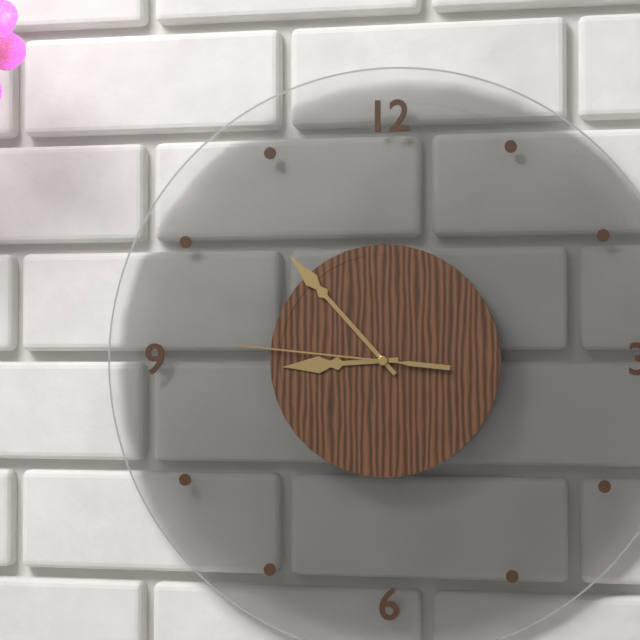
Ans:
8,53,46
